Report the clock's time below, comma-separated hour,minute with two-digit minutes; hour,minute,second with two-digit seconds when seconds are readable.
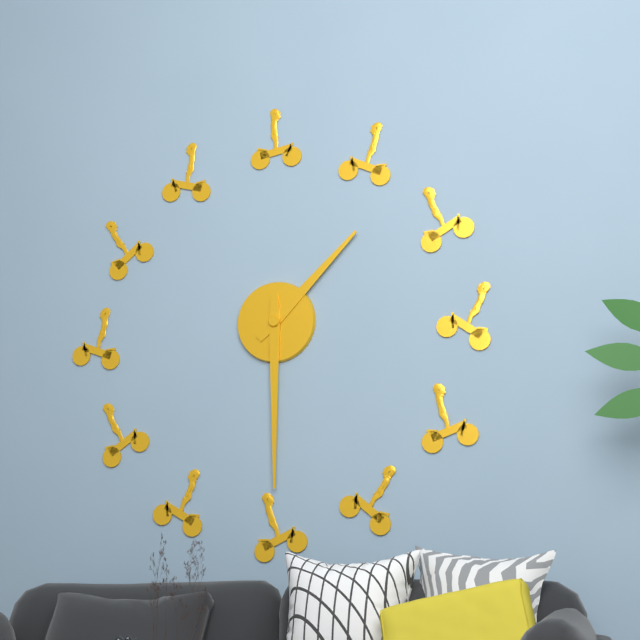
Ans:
1,30
